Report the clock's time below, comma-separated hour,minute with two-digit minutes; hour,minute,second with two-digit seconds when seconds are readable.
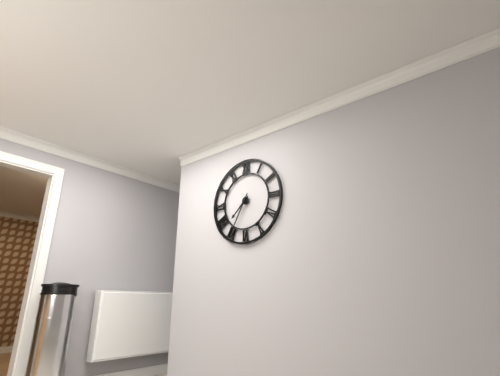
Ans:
7,35
